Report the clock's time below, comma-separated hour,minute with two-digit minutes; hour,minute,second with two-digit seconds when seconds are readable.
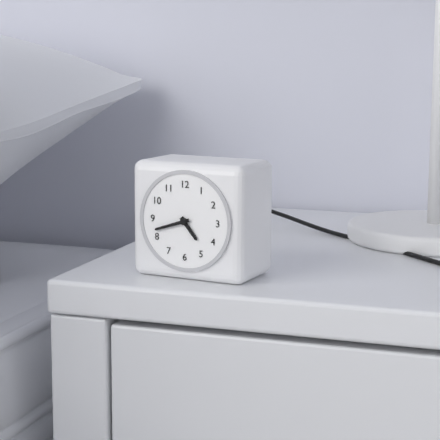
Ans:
4,42
